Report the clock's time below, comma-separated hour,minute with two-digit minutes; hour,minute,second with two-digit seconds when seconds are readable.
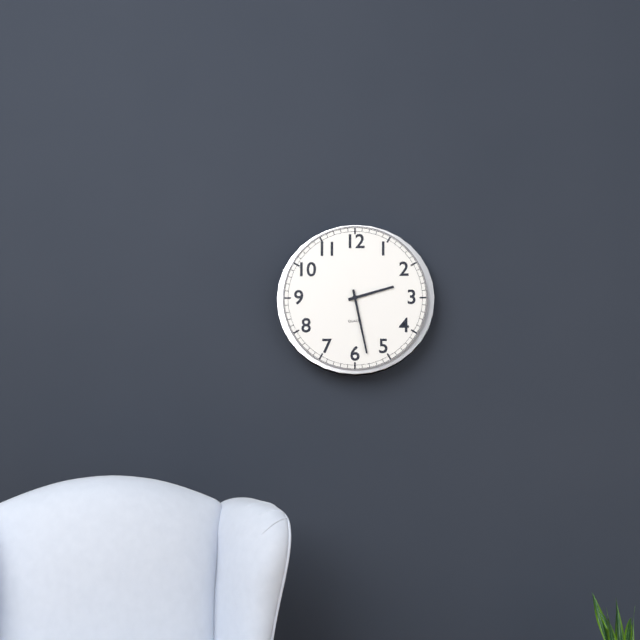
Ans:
2,28
